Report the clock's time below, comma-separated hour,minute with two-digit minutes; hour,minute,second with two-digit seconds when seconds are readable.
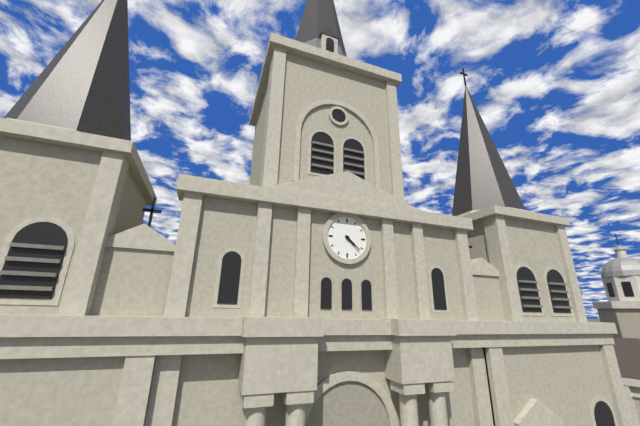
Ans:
4,22
